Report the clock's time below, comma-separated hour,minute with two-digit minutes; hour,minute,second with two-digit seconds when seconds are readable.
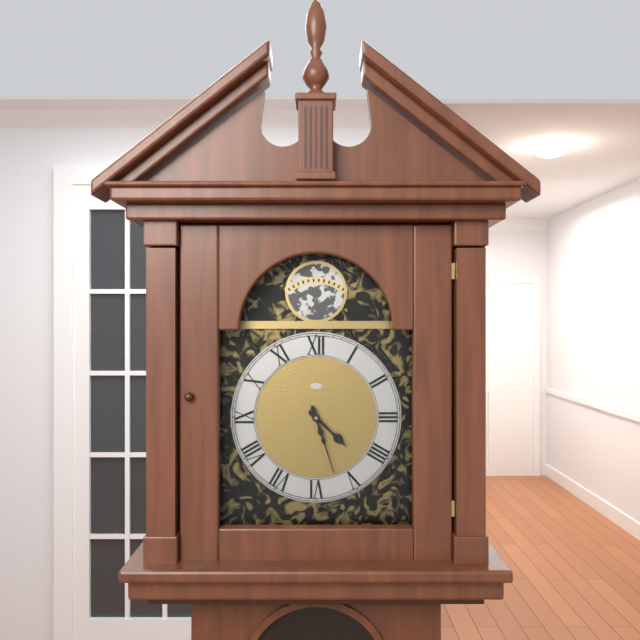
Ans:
4,27
